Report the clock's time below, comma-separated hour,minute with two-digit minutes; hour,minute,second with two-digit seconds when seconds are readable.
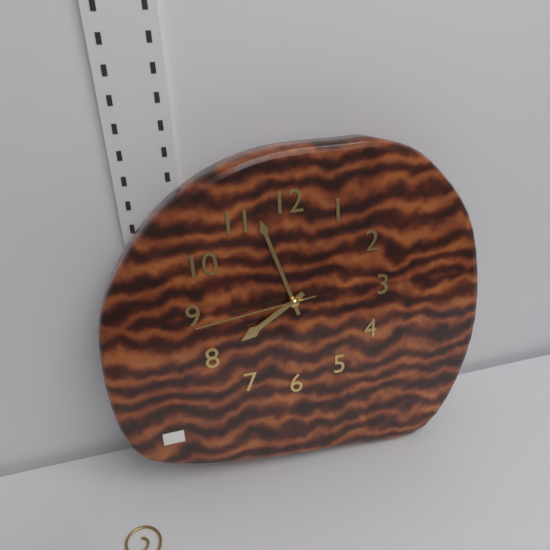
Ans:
7,57,44
